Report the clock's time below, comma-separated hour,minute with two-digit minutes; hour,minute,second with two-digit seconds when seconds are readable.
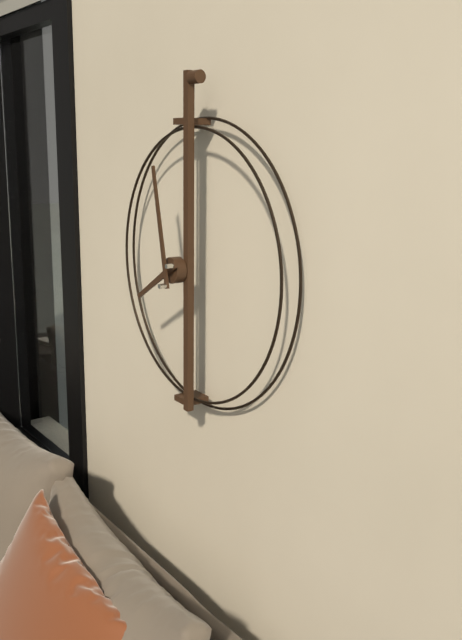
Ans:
7,58
